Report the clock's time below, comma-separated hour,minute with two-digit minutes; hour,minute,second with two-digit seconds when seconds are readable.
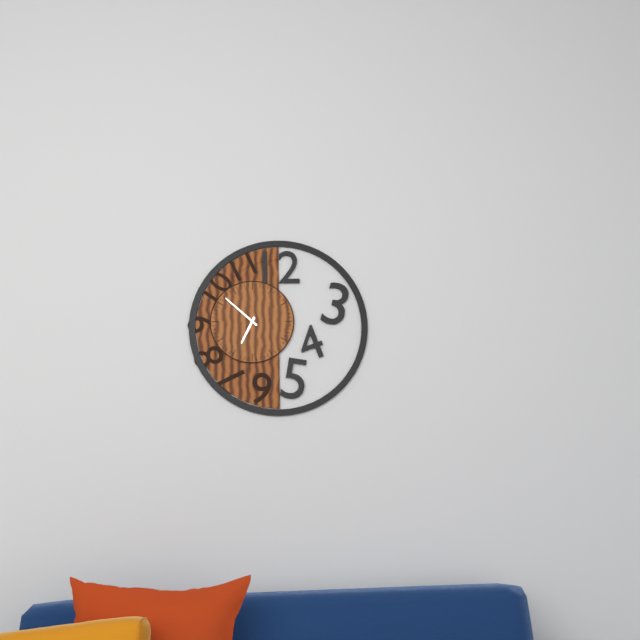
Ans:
6,52
